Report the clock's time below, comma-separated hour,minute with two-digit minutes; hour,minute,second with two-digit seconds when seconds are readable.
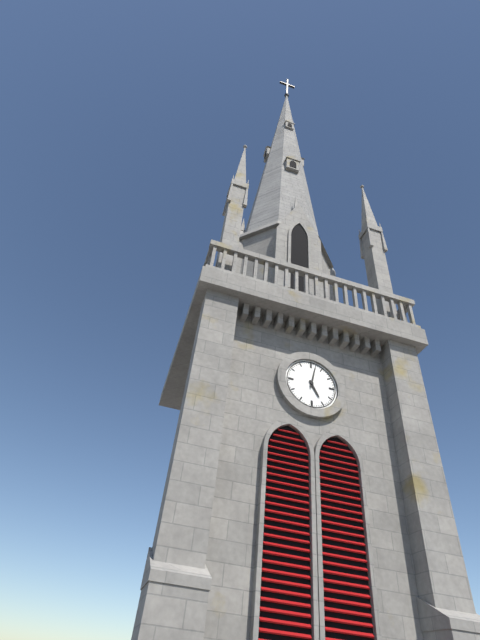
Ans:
5,02
